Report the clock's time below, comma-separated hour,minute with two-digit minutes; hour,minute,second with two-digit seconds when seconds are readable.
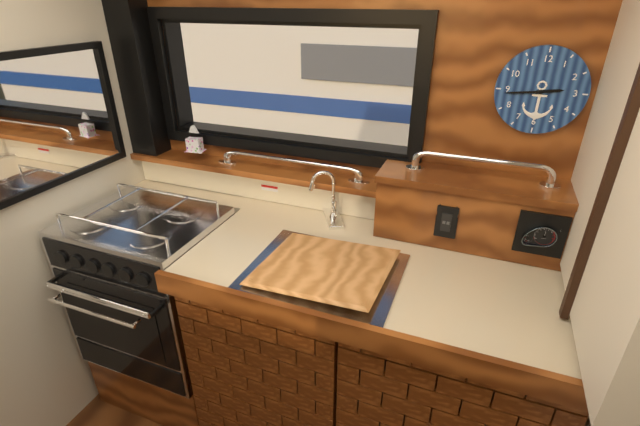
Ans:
2,44
